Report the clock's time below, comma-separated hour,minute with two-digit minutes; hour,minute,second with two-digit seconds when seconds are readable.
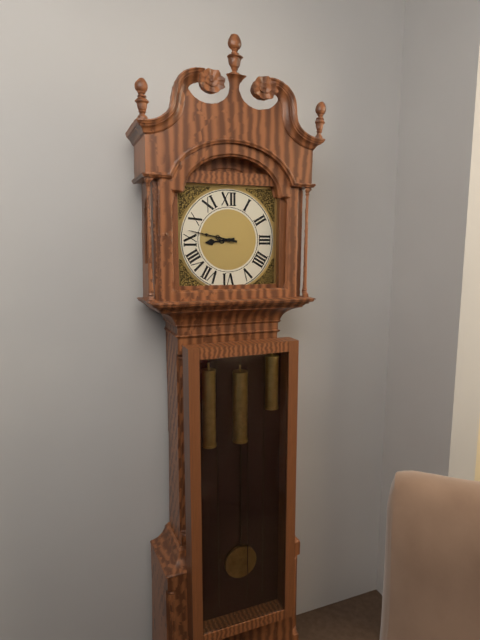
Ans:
8,47
